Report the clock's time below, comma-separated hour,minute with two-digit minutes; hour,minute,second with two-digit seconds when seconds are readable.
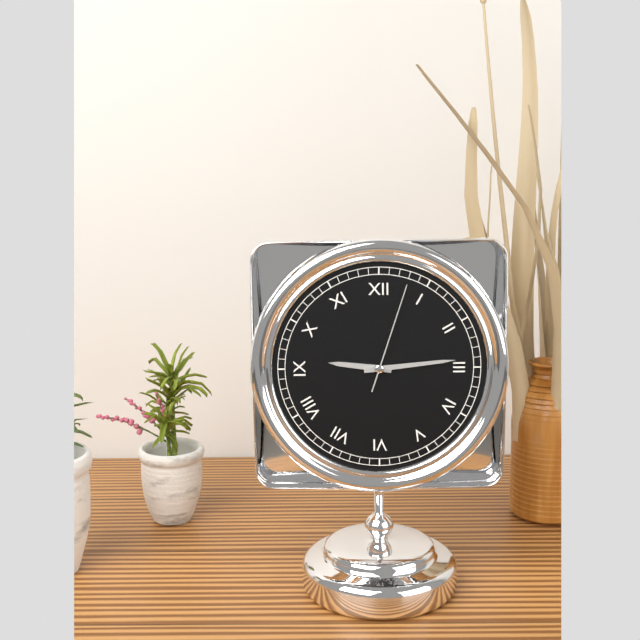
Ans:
9,14,03
